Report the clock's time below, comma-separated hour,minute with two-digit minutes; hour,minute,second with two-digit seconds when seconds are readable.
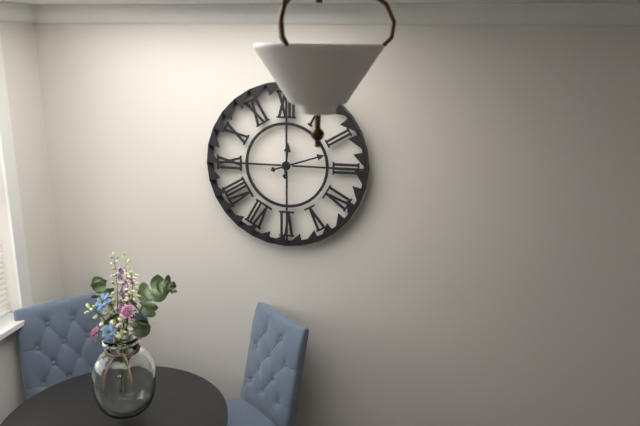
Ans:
12,12
